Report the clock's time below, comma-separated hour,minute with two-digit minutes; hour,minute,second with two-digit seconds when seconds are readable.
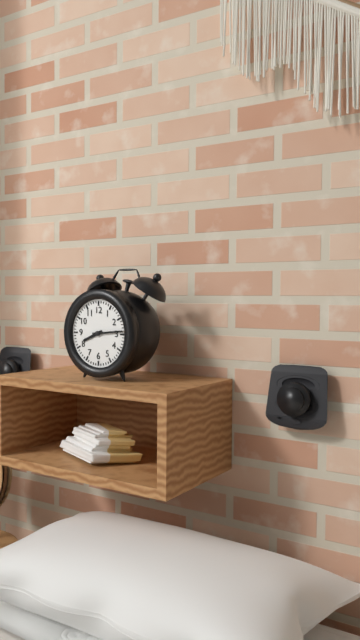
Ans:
8,14
